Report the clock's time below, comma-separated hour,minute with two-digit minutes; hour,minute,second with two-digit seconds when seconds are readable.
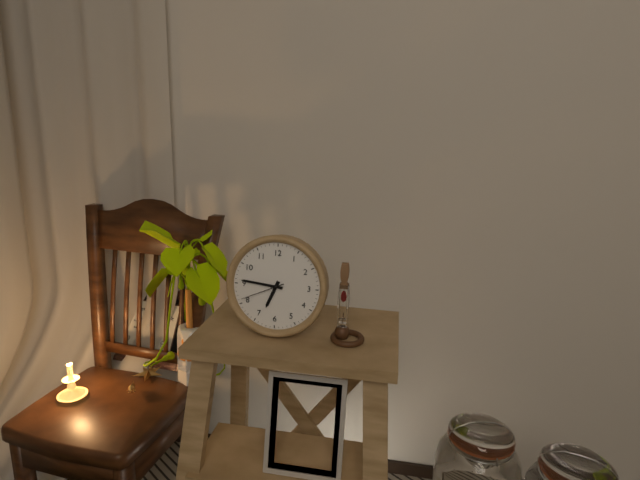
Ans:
6,46
